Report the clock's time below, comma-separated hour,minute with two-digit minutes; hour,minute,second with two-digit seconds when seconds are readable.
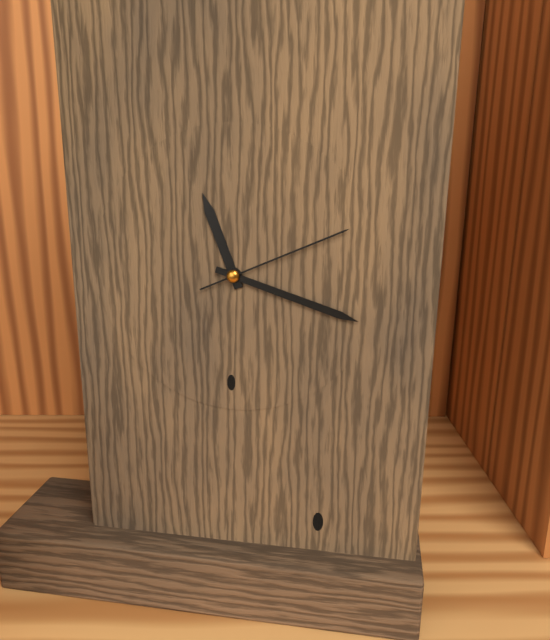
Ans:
11,18,11
